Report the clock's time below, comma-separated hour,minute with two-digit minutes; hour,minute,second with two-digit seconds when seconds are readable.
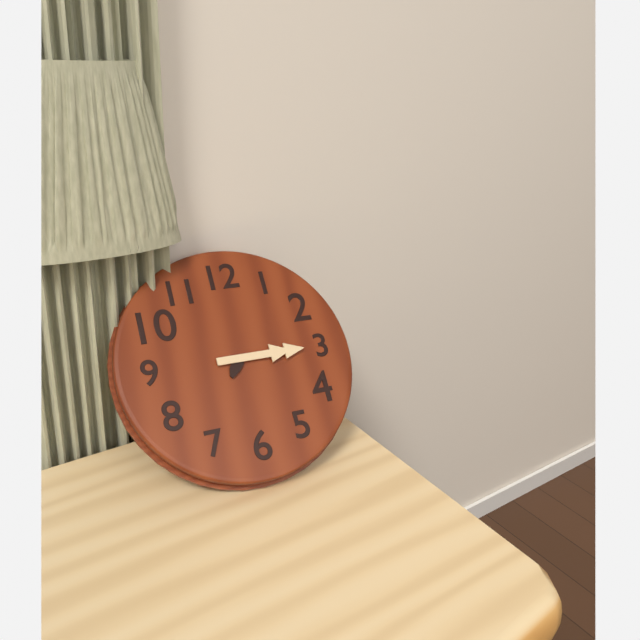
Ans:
7,15
